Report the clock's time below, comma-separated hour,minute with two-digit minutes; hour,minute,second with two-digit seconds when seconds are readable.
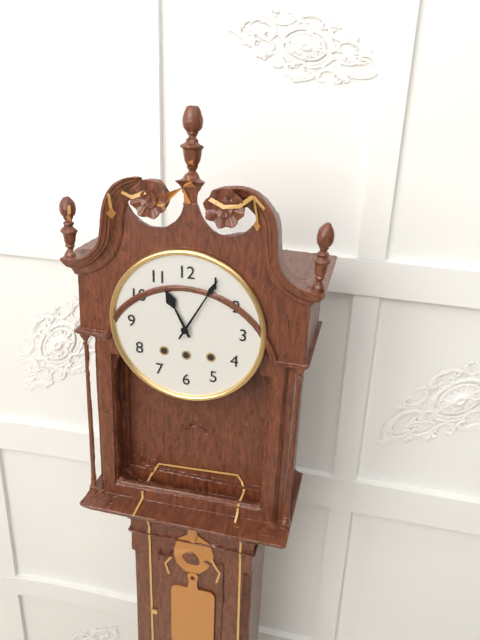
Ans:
11,05
